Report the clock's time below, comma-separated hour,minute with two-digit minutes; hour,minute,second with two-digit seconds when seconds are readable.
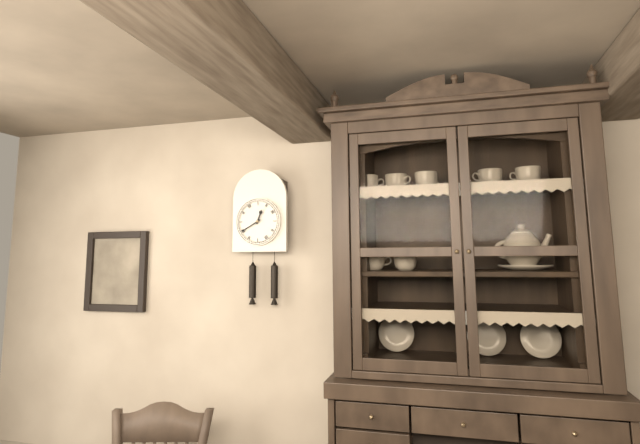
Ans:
12,40
